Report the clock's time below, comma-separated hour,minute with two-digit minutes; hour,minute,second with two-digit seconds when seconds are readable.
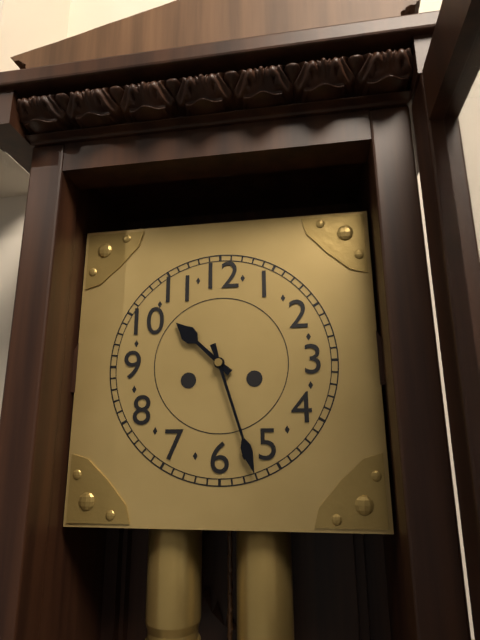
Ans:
10,27
